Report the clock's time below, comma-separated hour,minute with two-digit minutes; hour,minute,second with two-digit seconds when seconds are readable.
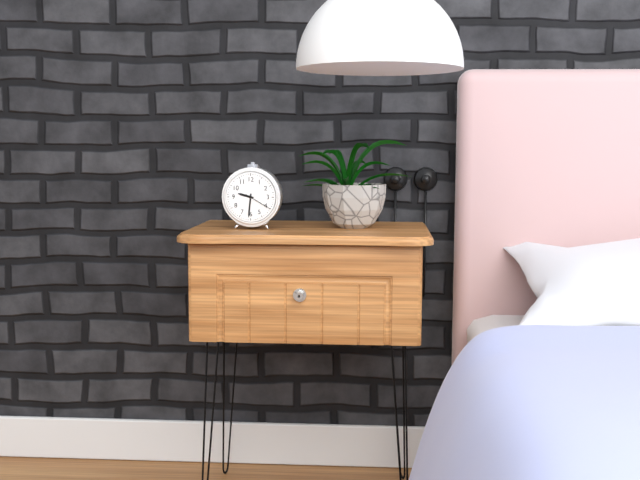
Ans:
9,31
